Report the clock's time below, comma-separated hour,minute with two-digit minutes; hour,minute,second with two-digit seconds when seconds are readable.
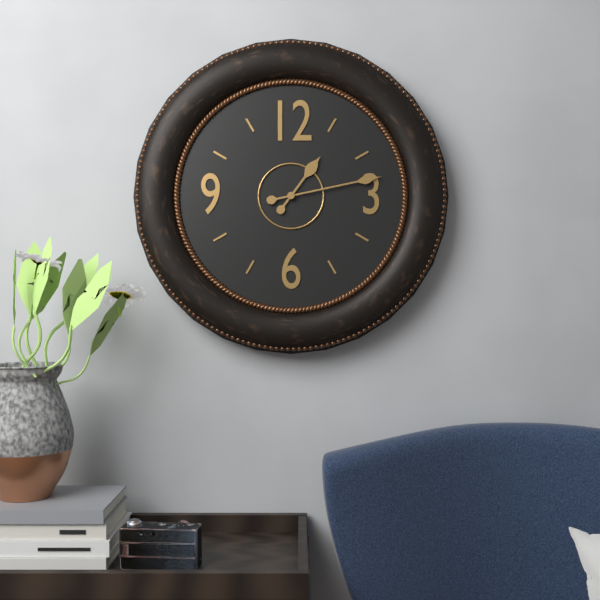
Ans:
1,13
